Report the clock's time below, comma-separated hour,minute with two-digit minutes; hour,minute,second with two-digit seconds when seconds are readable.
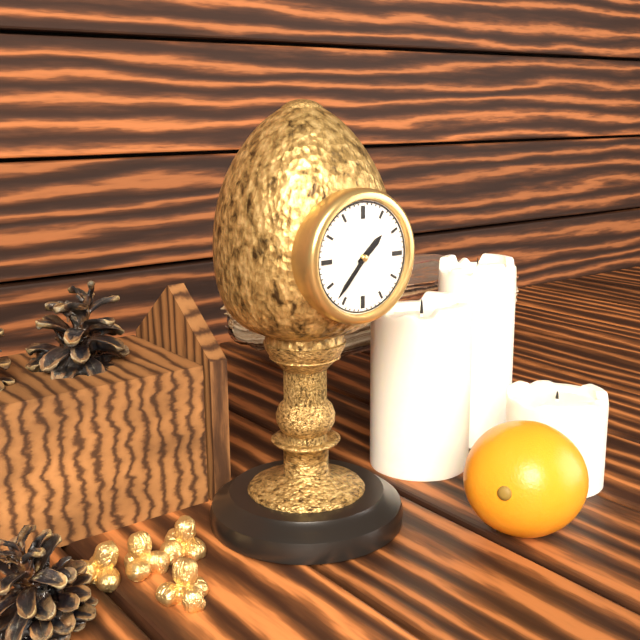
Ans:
1,37
